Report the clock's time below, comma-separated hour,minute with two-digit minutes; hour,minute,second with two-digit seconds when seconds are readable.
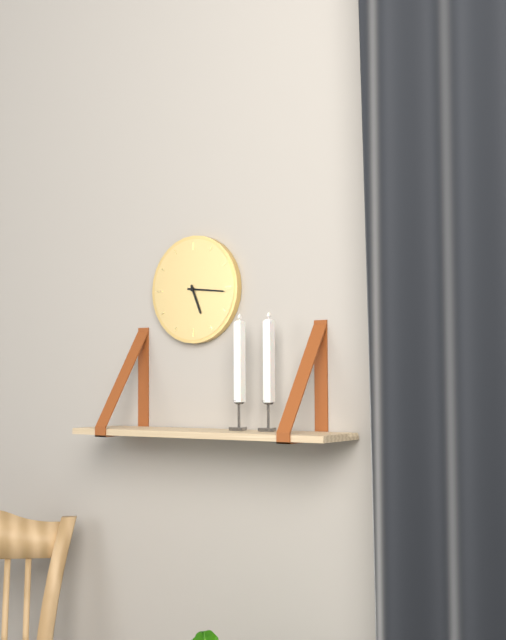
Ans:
5,16
